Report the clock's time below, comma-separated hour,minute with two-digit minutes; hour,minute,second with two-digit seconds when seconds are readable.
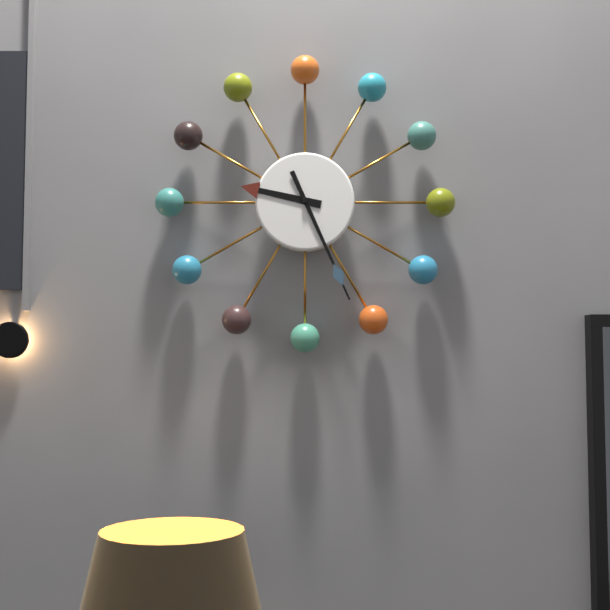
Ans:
9,26
